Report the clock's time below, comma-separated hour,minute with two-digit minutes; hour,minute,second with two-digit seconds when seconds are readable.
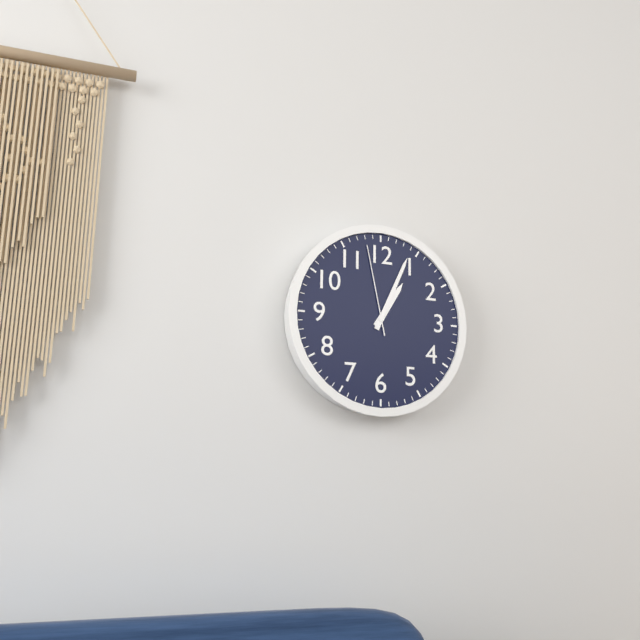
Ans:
1,04,58
